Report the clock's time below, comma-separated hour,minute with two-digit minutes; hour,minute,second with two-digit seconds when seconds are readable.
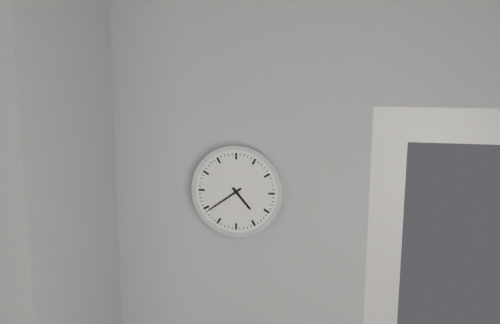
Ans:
4,39
